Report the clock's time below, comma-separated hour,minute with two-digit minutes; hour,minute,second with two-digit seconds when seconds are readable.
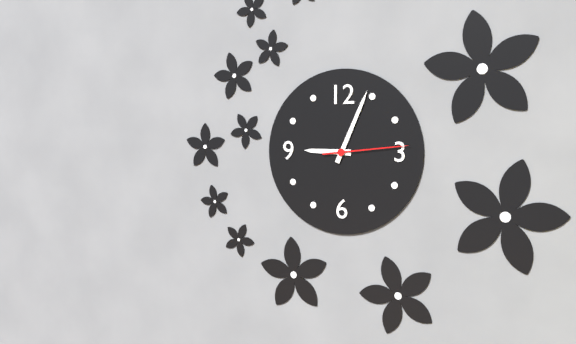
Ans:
9,04,14
